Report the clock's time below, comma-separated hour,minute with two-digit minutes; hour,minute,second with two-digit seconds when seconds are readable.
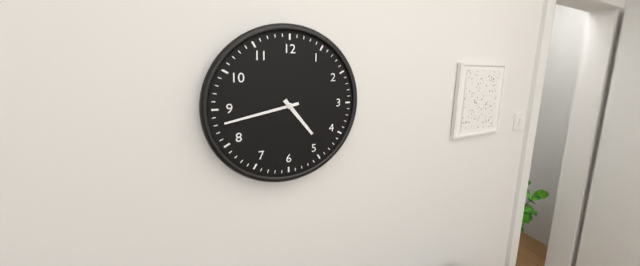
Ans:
4,43
